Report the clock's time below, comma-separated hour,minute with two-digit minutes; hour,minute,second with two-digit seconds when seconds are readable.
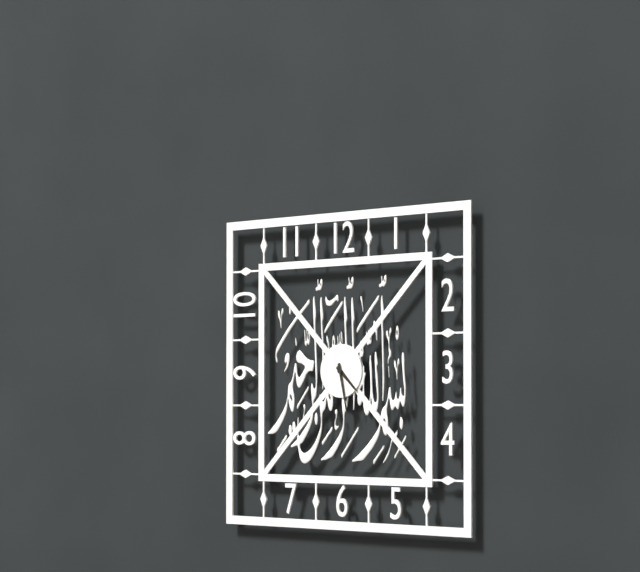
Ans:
4,28
